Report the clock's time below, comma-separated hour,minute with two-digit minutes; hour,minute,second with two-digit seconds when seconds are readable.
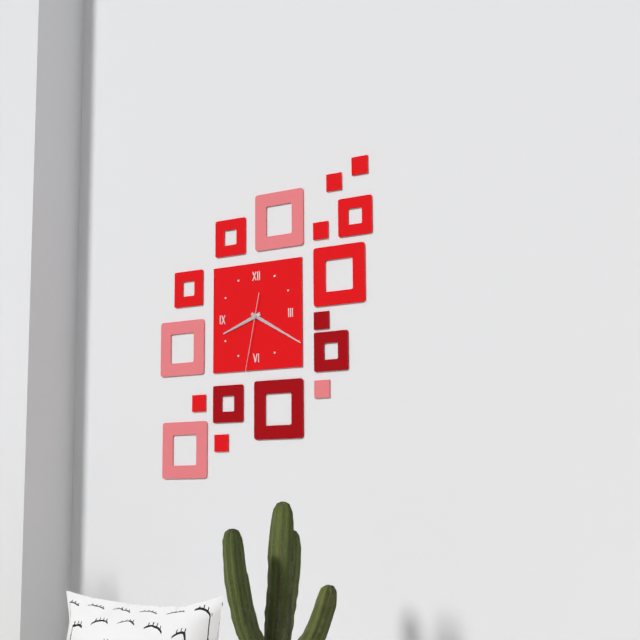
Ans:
8,20,32
